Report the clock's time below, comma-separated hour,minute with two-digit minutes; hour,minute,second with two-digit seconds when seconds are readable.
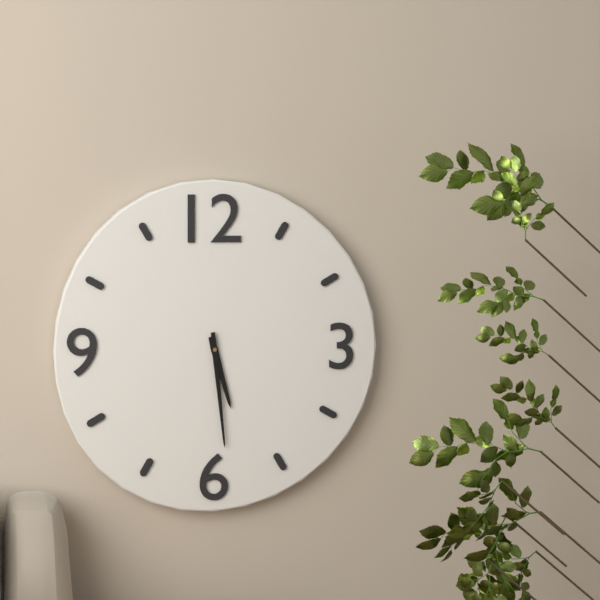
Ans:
5,29
